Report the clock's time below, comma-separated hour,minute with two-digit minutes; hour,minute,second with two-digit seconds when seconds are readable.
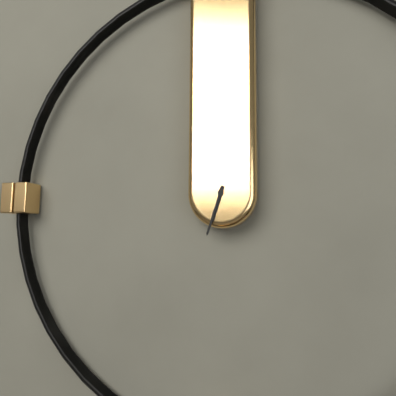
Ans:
6,33
